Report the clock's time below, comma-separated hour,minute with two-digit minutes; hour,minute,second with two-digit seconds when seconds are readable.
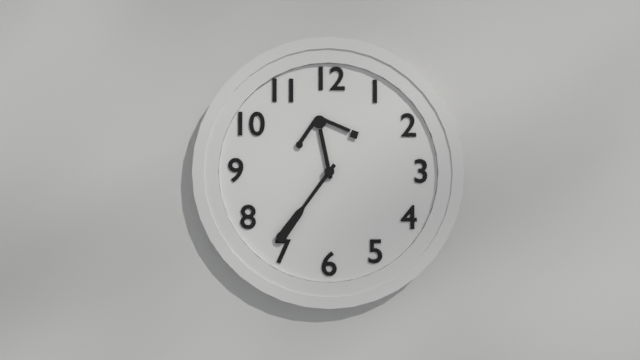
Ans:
11,36
